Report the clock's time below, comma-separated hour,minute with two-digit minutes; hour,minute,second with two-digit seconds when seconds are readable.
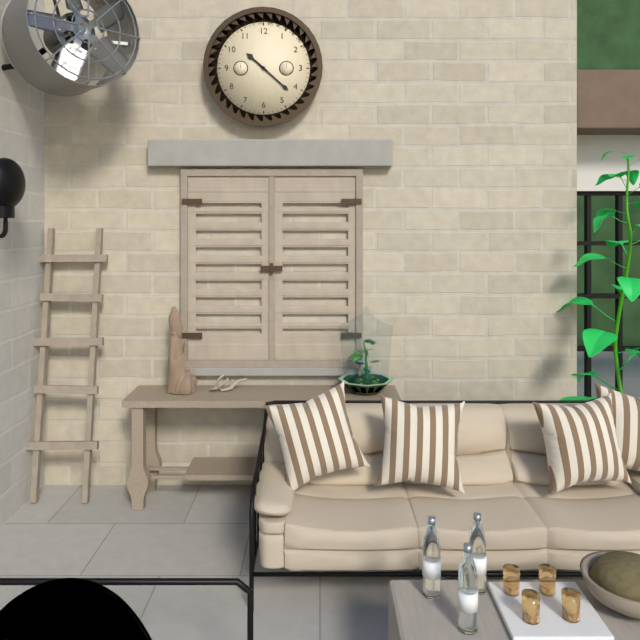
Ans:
10,22
